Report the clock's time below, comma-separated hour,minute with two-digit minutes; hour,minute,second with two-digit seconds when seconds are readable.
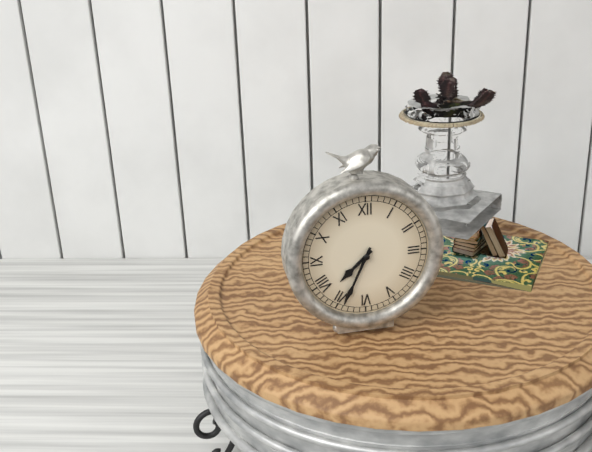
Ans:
7,34
